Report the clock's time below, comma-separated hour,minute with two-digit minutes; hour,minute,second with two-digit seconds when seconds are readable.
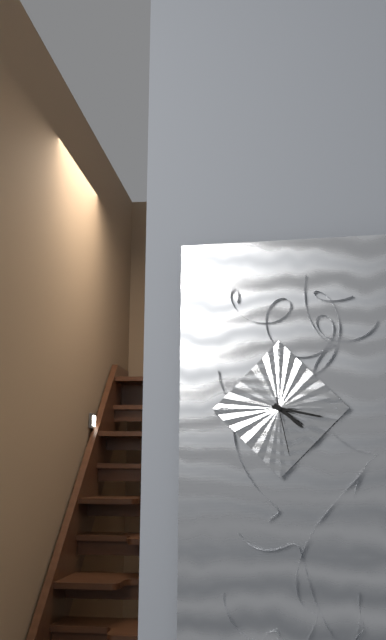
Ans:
4,17,28
